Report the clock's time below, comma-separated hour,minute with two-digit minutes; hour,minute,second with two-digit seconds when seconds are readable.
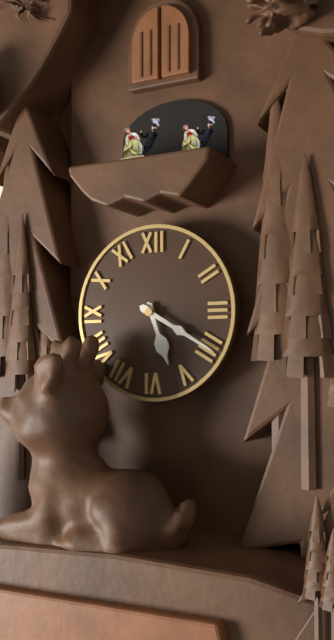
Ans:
5,20
